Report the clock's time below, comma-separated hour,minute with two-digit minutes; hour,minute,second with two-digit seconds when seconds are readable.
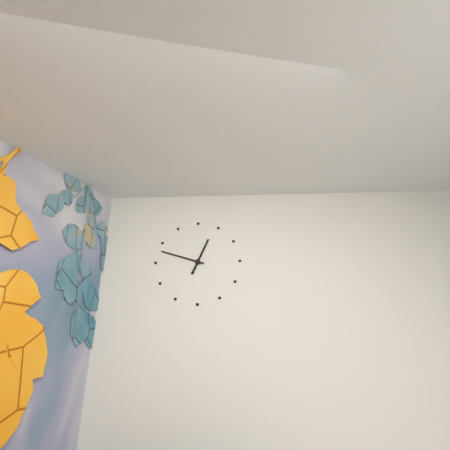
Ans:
12,48
